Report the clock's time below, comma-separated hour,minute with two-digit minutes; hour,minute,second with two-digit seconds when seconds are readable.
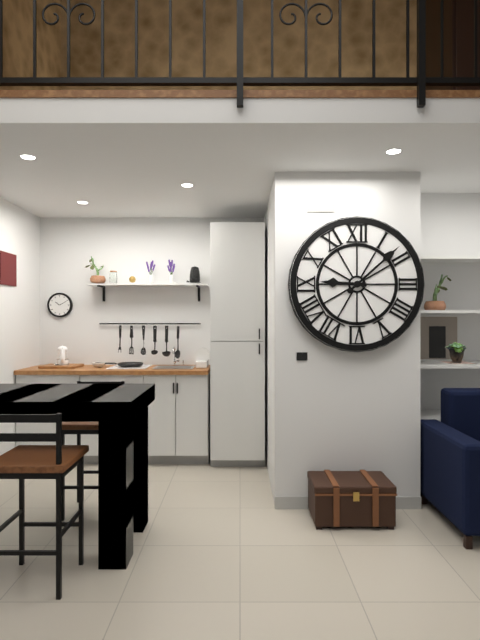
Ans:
9,08
